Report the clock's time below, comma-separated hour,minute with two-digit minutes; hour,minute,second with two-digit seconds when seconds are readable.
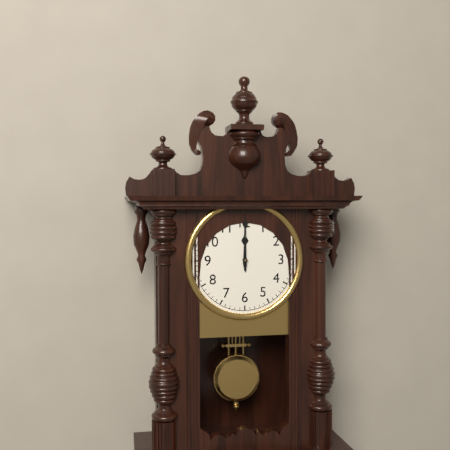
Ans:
12,00
